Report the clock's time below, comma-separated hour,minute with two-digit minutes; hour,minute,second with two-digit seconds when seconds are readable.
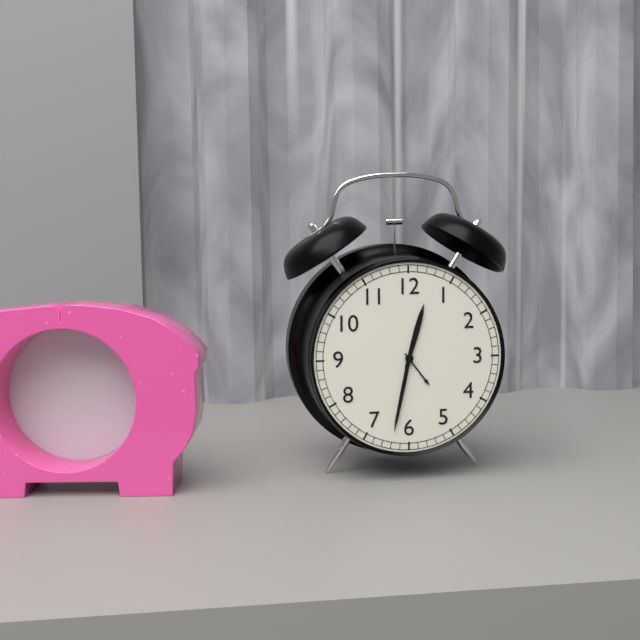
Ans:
12,32
